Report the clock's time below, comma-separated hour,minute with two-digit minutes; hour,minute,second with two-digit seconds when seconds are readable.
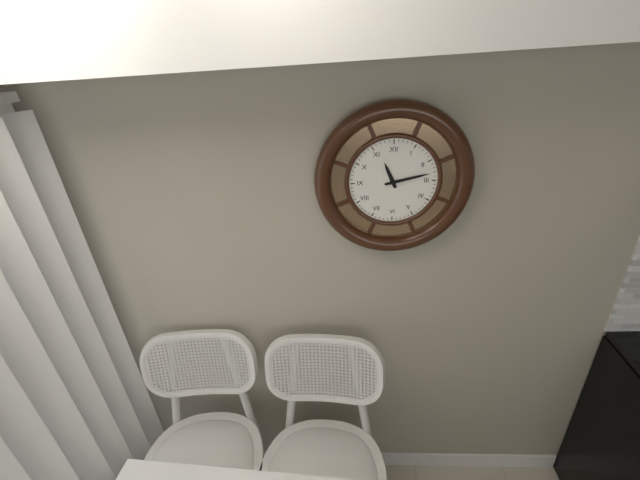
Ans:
11,13
